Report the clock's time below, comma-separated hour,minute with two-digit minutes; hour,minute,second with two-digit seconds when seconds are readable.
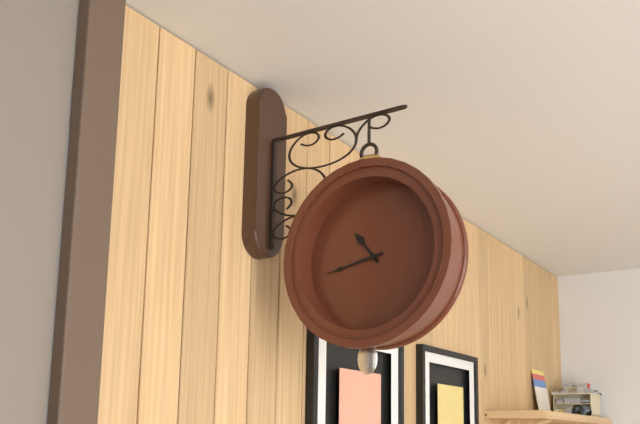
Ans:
10,43
